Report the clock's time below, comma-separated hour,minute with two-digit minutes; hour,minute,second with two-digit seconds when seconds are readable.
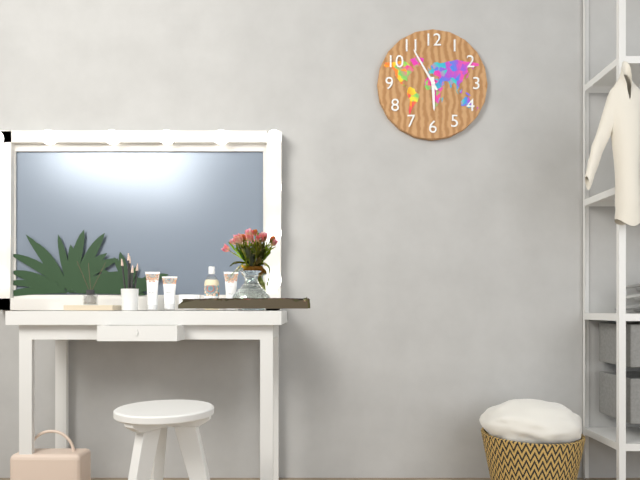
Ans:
5,55
